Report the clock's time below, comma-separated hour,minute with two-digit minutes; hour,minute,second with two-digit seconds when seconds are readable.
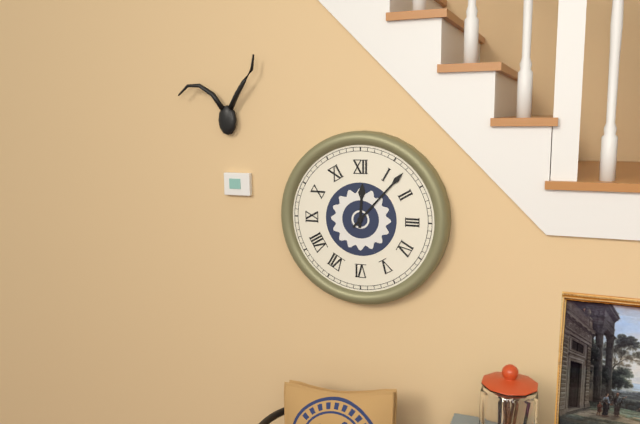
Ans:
12,07
